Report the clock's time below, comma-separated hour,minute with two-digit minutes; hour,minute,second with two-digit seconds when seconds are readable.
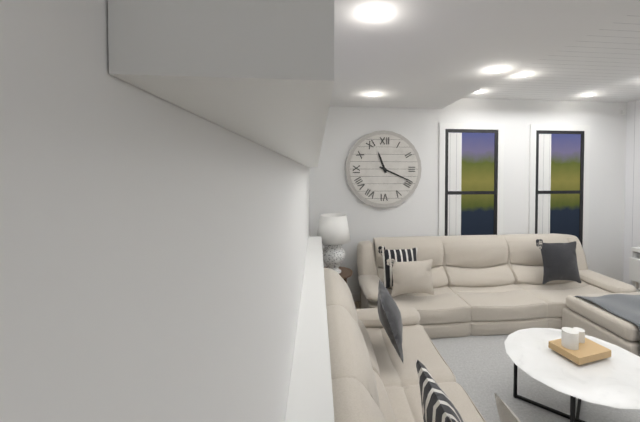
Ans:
11,19
